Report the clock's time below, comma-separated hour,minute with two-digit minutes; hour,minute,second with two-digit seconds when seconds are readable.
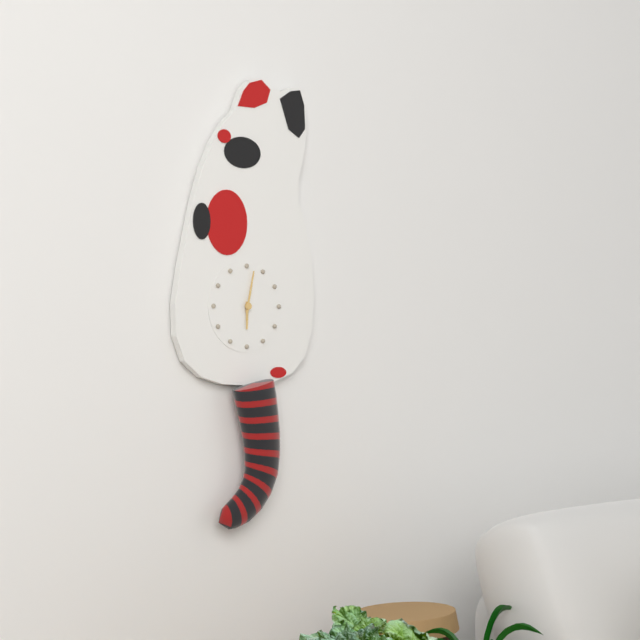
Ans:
6,02
